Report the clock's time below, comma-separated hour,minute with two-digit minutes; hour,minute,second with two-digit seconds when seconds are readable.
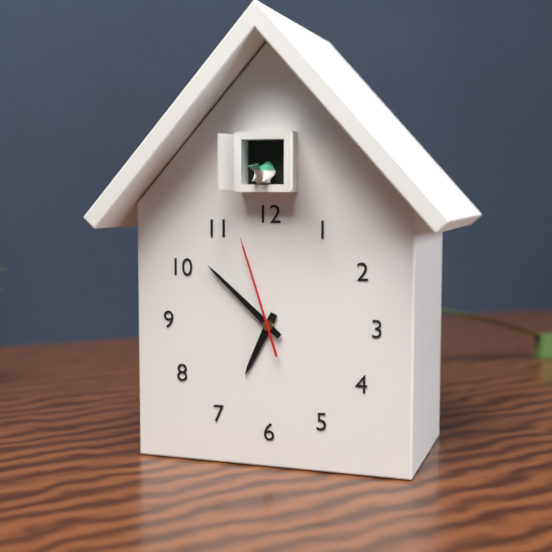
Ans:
6,52,57
